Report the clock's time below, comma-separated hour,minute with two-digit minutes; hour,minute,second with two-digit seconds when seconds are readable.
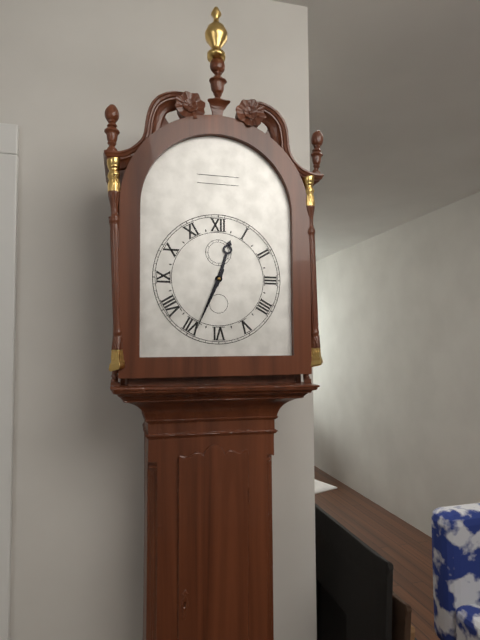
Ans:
12,34
